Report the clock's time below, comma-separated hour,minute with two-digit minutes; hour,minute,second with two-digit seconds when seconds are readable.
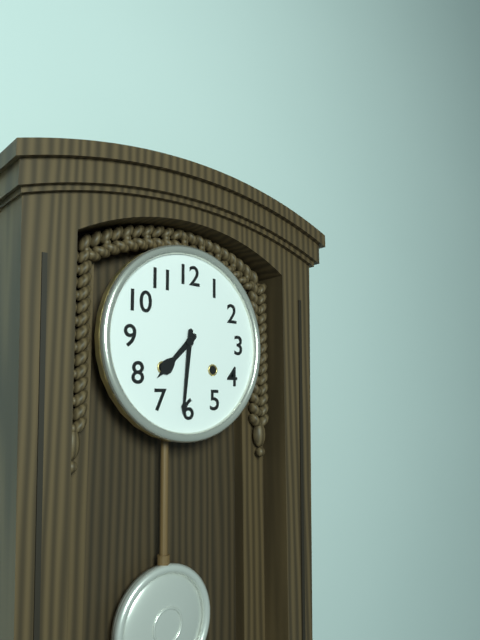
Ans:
7,31
